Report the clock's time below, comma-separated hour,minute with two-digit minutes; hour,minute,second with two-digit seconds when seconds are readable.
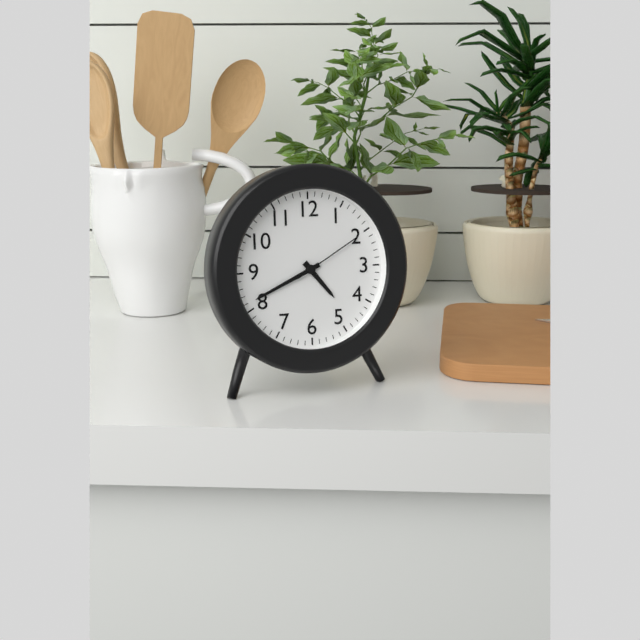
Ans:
4,41,10
